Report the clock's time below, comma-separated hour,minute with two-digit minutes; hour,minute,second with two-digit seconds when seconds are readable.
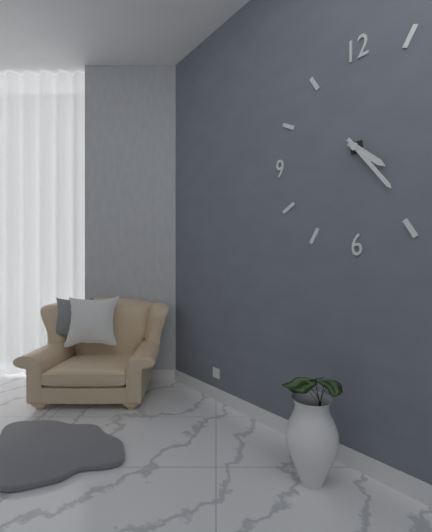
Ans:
4,24
